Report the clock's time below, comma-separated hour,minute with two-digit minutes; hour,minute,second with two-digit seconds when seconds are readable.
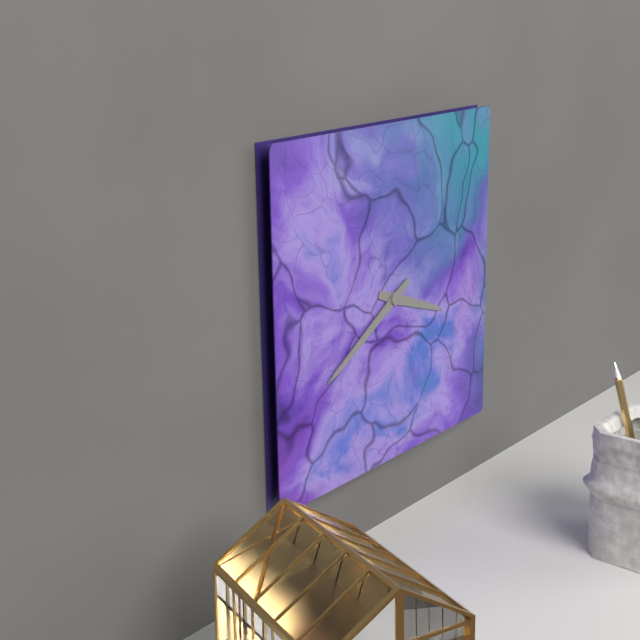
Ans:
3,40
